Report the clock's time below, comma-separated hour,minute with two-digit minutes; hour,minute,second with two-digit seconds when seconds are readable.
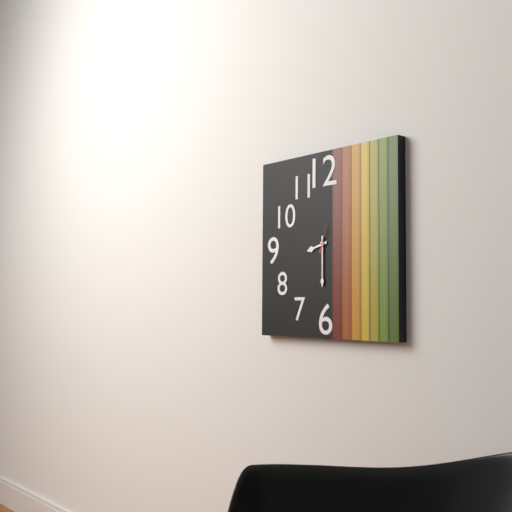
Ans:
8,30
